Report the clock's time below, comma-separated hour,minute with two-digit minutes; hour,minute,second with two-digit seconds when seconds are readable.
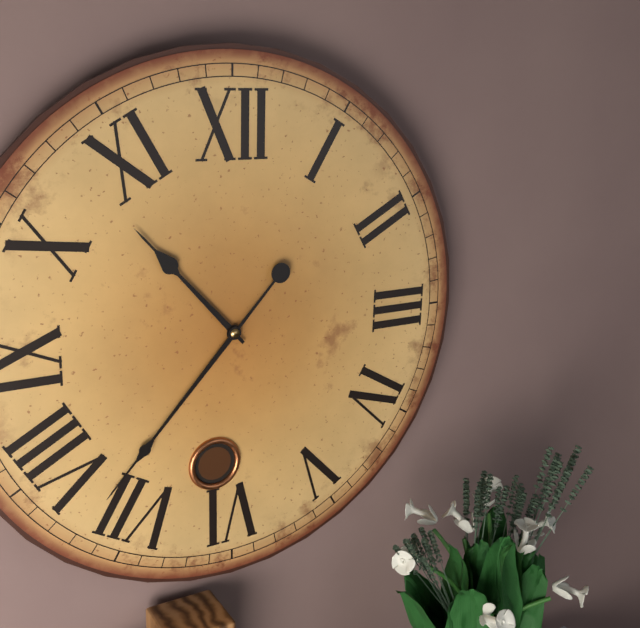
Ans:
10,37
